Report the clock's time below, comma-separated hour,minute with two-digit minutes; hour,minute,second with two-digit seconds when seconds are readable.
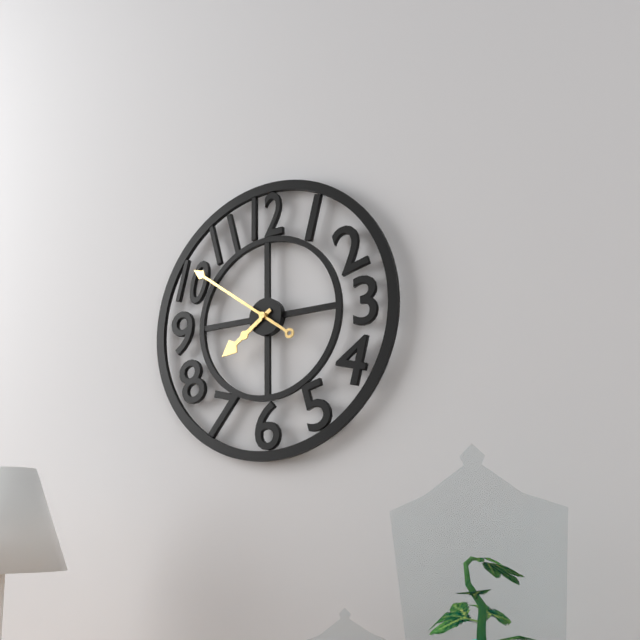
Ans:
7,51
